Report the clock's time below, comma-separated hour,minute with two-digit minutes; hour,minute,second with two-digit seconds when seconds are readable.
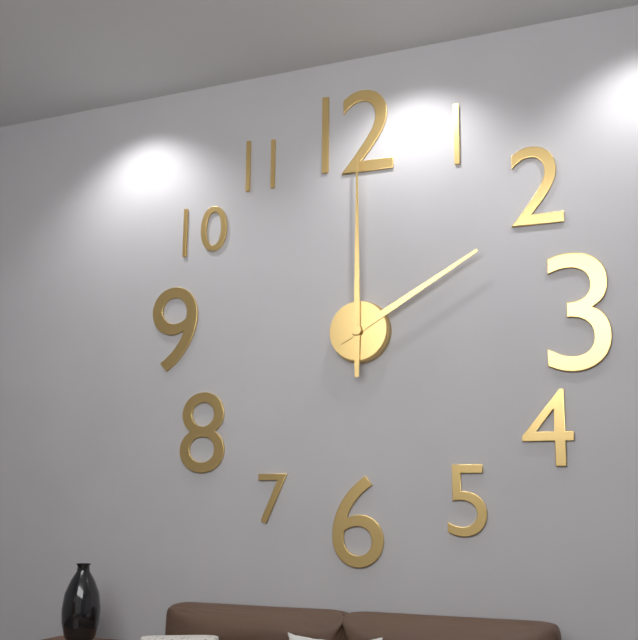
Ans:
2,00
